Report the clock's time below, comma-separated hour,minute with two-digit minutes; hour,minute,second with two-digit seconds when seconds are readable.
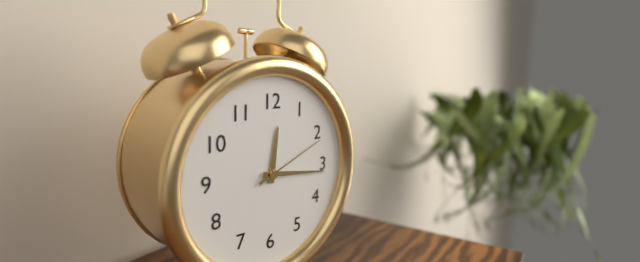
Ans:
12,16,11
